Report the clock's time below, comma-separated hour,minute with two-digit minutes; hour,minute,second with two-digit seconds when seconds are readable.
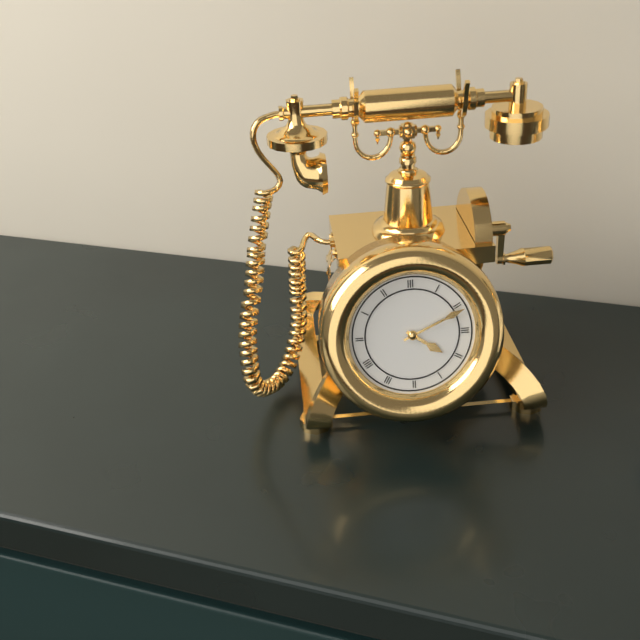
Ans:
4,11
